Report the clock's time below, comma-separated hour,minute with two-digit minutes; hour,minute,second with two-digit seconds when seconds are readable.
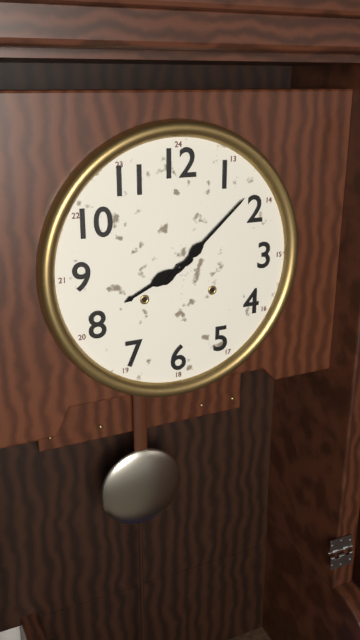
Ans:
8,08
